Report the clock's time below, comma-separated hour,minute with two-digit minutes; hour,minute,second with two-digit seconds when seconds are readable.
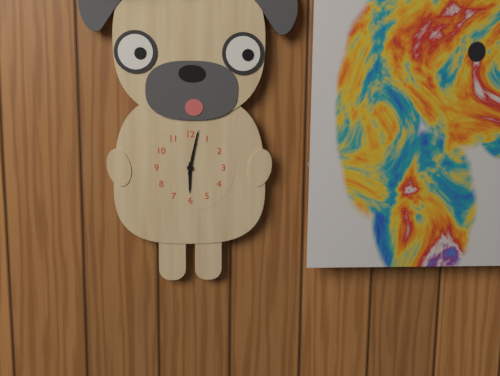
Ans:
6,02
